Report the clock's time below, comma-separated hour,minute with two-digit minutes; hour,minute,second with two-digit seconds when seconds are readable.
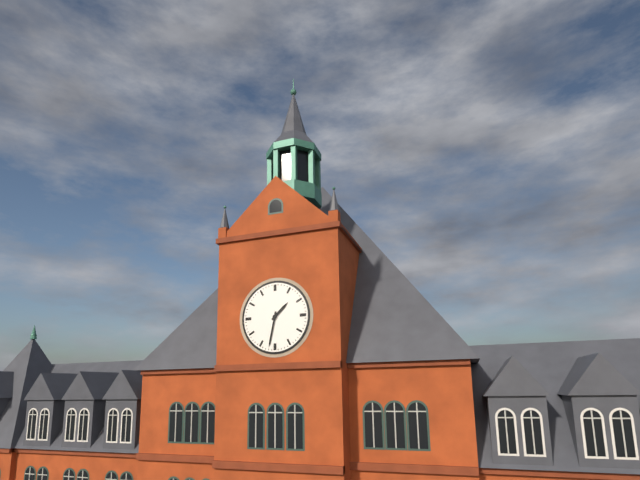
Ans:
1,32
